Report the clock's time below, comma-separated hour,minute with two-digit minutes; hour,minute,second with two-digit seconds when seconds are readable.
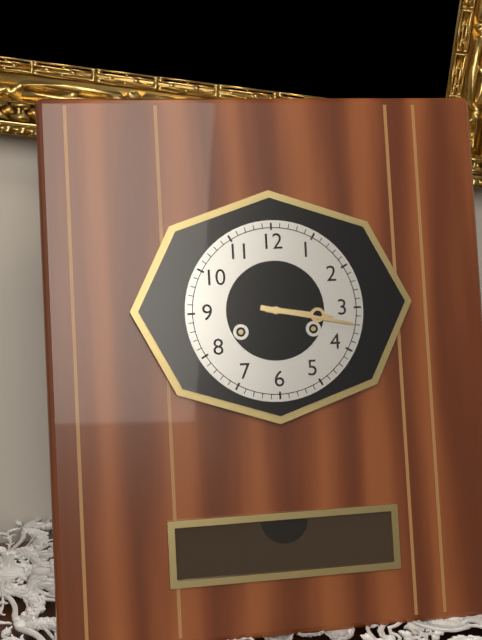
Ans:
3,17
